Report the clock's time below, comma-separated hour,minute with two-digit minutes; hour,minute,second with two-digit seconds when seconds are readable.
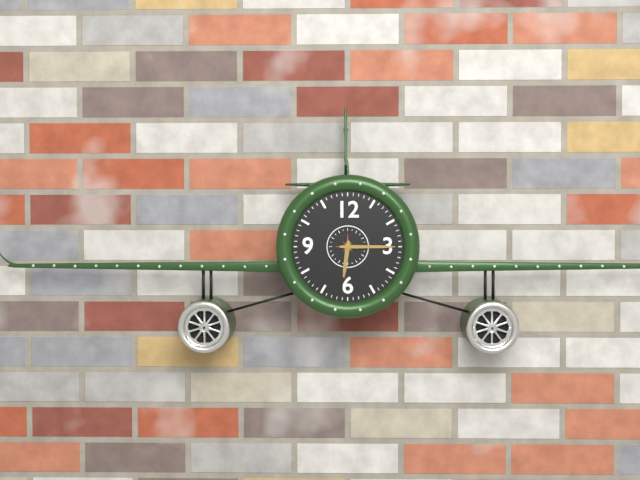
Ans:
6,15
